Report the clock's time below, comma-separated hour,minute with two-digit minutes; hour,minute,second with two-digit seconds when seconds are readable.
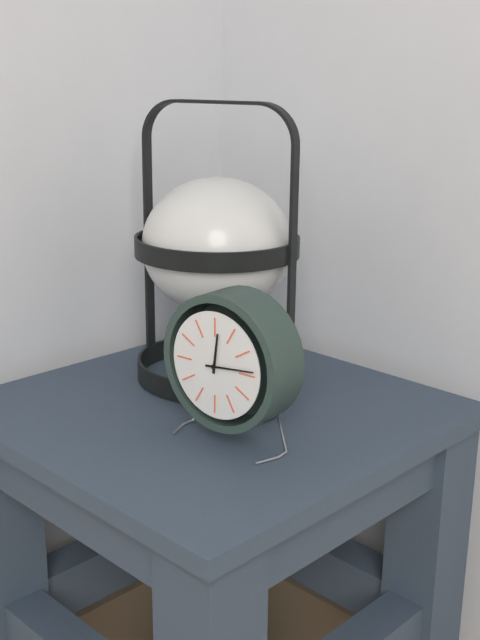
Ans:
12,14
